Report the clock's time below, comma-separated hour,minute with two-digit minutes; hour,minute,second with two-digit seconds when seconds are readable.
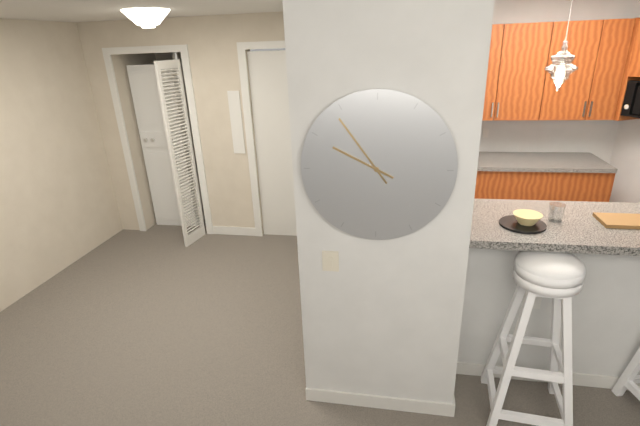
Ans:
9,54
